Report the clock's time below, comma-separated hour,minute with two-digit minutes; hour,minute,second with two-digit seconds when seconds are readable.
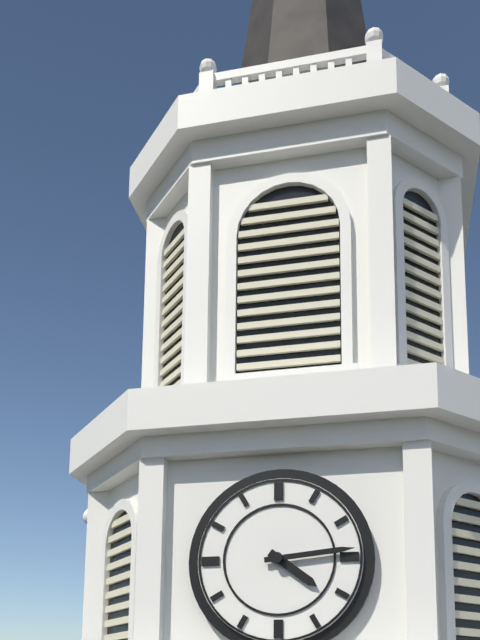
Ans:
4,14
